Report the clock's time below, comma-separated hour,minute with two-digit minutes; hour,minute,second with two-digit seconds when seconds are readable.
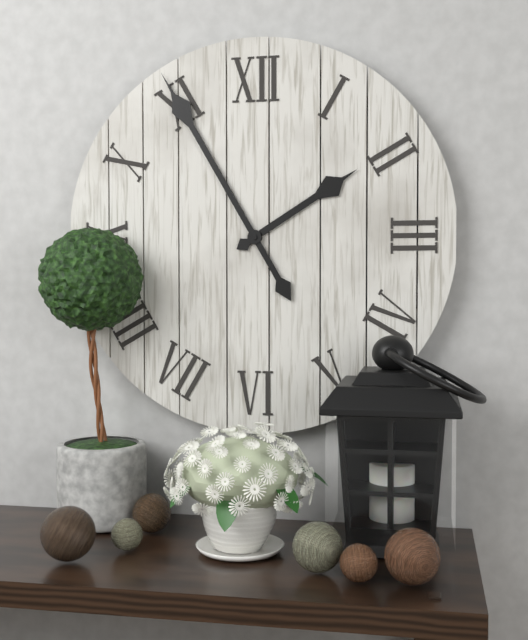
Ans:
1,55
